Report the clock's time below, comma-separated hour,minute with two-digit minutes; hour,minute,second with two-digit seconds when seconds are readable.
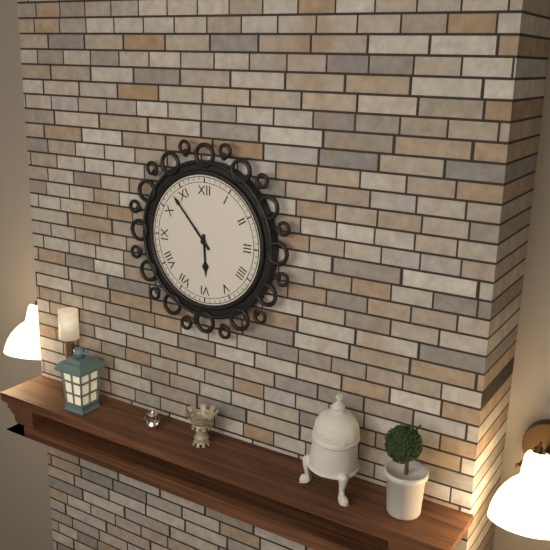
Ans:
5,53
